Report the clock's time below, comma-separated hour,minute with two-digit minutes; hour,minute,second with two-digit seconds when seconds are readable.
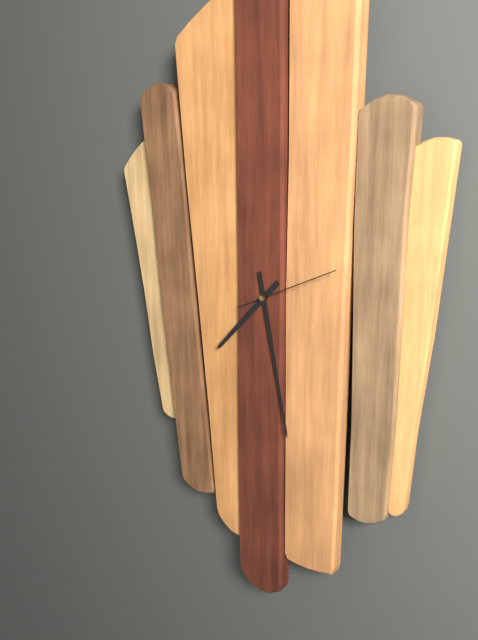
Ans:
7,28,11
